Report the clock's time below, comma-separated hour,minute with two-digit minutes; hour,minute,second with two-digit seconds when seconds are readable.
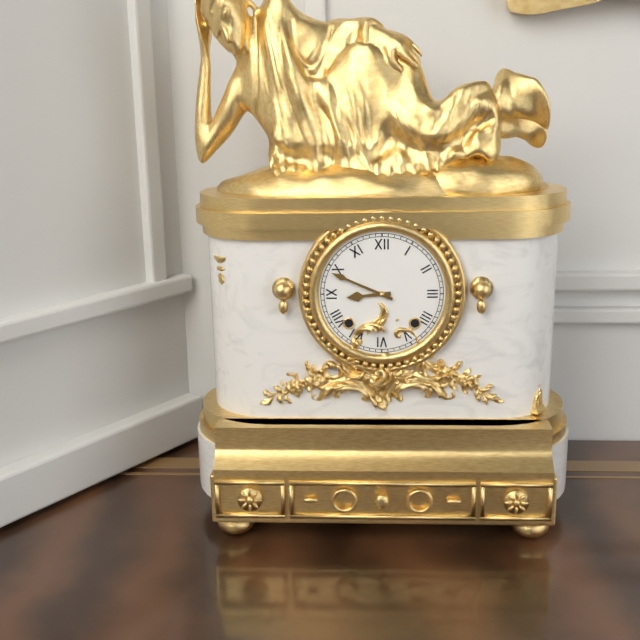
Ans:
8,49
